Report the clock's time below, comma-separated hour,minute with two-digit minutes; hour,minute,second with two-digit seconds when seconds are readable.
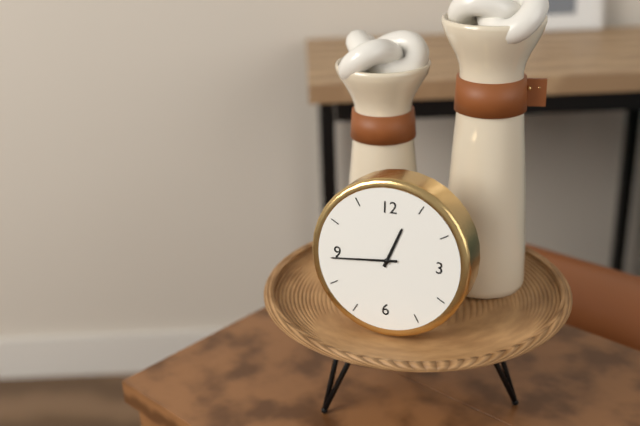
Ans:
12,44
